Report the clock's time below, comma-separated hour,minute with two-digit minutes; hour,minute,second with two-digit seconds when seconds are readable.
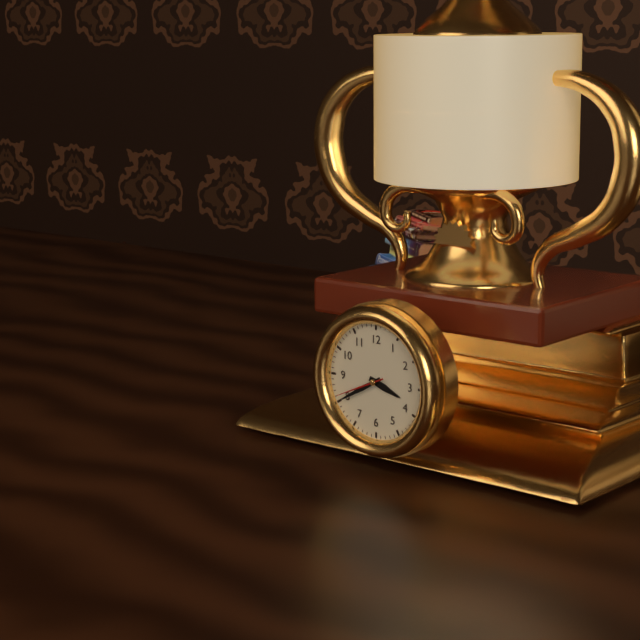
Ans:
3,40,41
